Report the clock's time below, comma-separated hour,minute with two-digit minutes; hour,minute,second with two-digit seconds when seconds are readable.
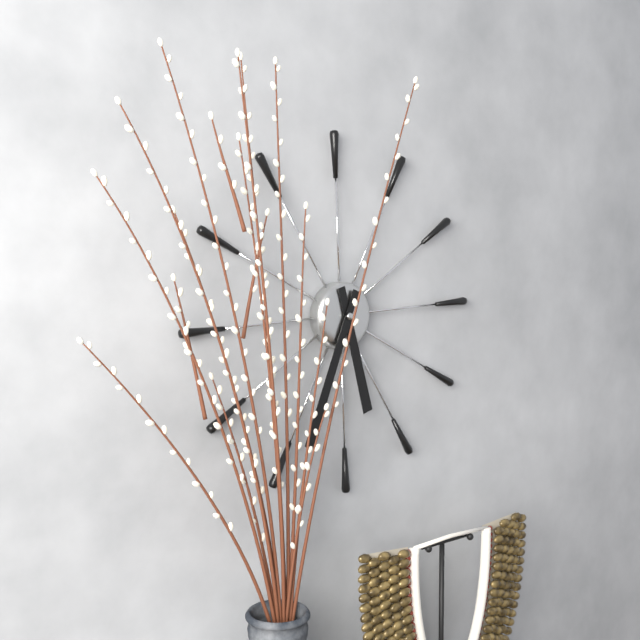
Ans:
5,34
